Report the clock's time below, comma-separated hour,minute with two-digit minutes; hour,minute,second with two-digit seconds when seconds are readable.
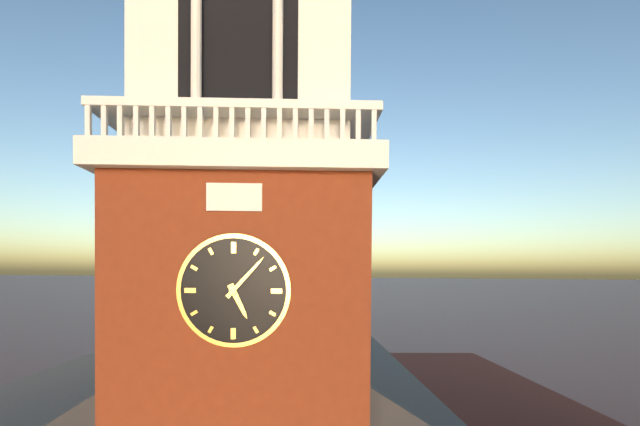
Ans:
5,07
